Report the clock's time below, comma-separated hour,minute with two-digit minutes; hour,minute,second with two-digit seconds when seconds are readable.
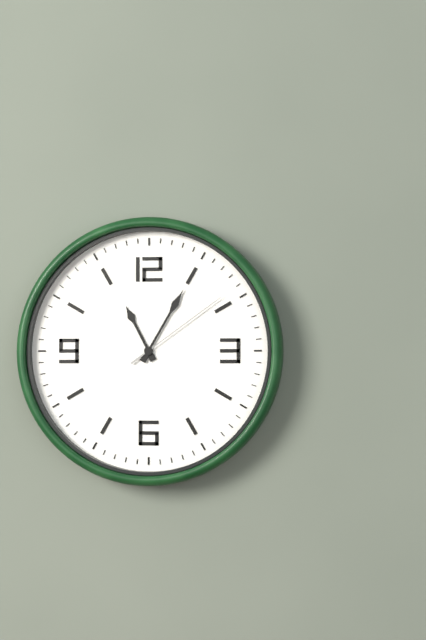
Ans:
11,05,09
